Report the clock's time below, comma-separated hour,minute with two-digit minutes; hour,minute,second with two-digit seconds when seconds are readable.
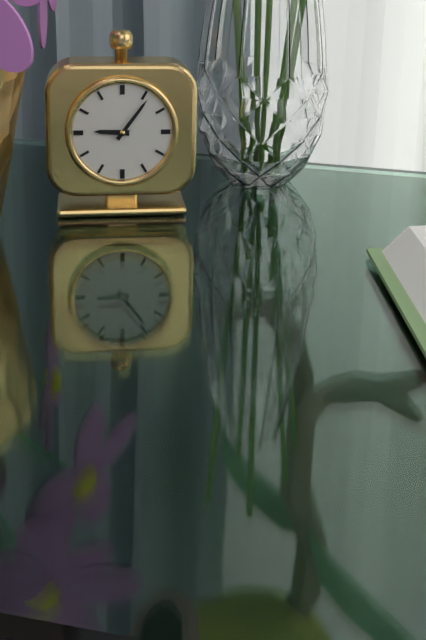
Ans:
9,06
